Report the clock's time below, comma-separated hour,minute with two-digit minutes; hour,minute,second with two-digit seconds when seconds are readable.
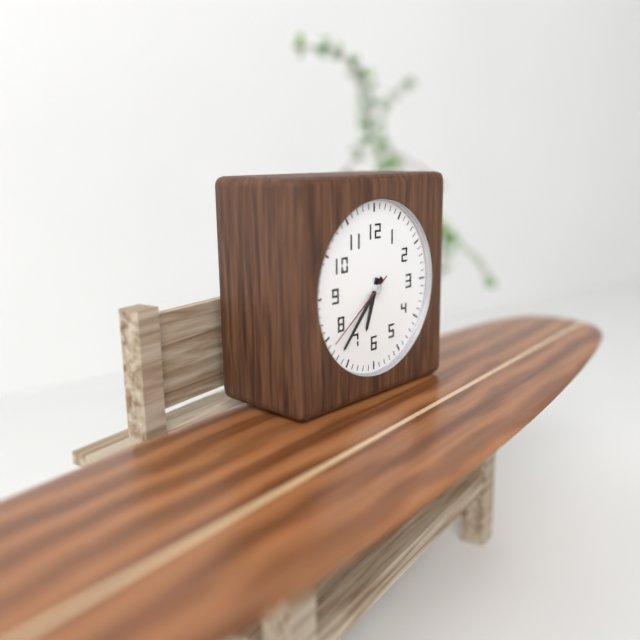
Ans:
6,37,39
